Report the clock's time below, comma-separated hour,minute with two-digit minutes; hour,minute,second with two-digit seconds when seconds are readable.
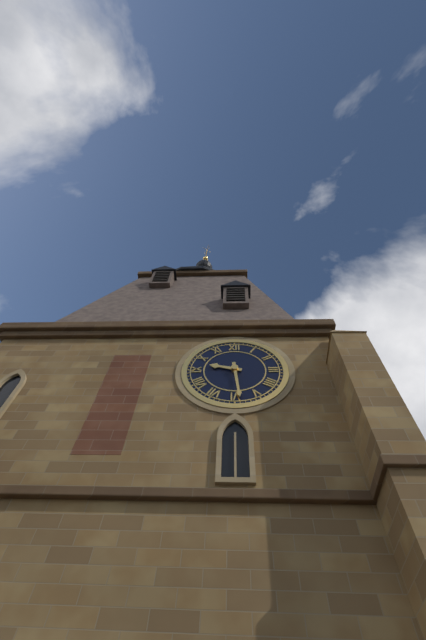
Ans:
9,29
